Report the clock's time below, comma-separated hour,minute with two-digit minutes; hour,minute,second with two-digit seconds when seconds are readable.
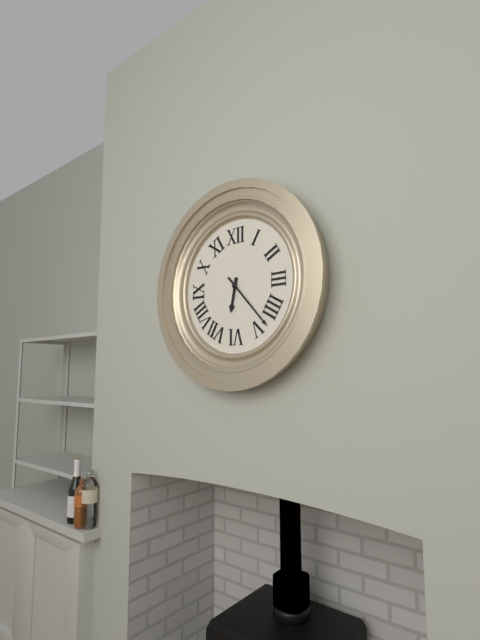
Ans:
6,23
